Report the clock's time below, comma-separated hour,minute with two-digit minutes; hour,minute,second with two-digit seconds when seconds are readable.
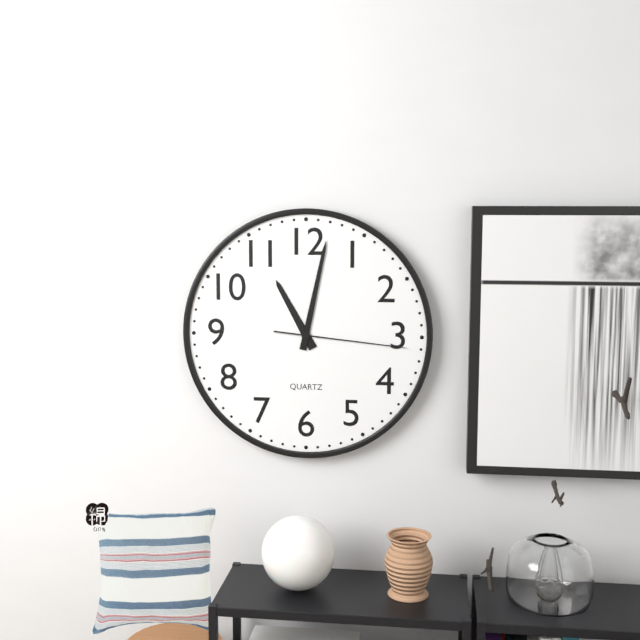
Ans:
11,02,16
